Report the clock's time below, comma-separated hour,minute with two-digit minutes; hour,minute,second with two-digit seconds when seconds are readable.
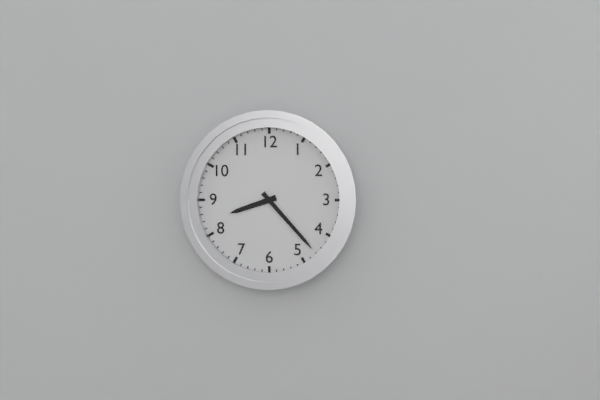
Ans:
8,23
